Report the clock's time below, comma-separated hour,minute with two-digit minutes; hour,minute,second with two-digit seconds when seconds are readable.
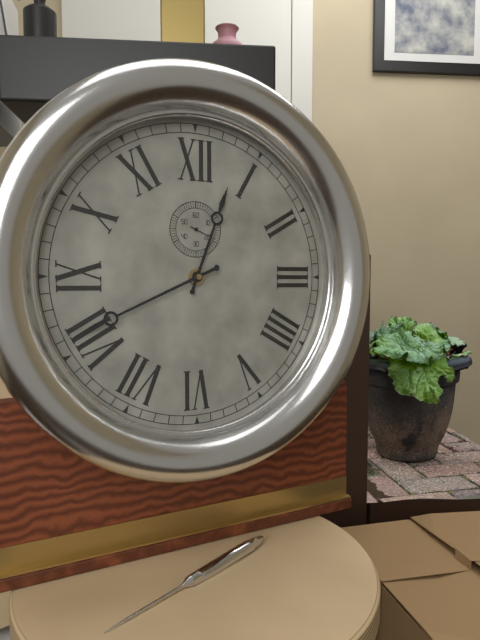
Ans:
12,41
